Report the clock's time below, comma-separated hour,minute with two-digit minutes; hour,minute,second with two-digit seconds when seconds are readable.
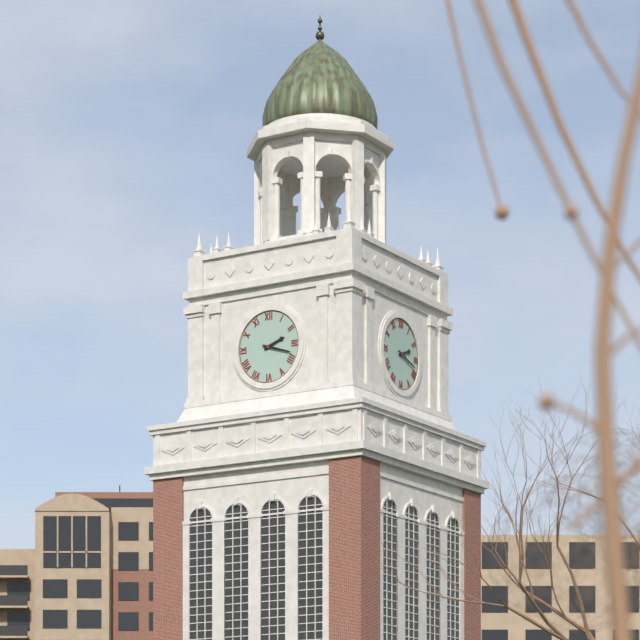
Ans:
2,18
